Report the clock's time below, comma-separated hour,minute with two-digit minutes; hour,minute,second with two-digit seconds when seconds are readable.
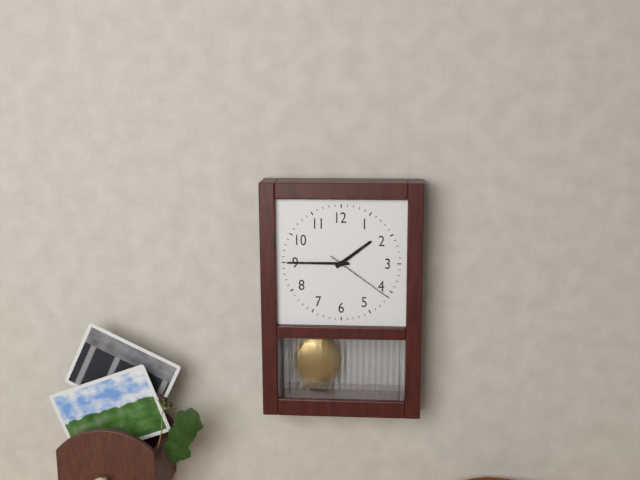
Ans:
1,45,21
